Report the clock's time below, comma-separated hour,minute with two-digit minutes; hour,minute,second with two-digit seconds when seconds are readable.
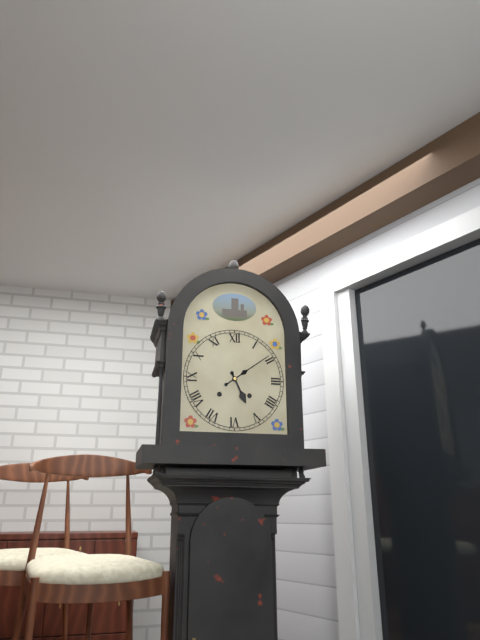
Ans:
5,09
